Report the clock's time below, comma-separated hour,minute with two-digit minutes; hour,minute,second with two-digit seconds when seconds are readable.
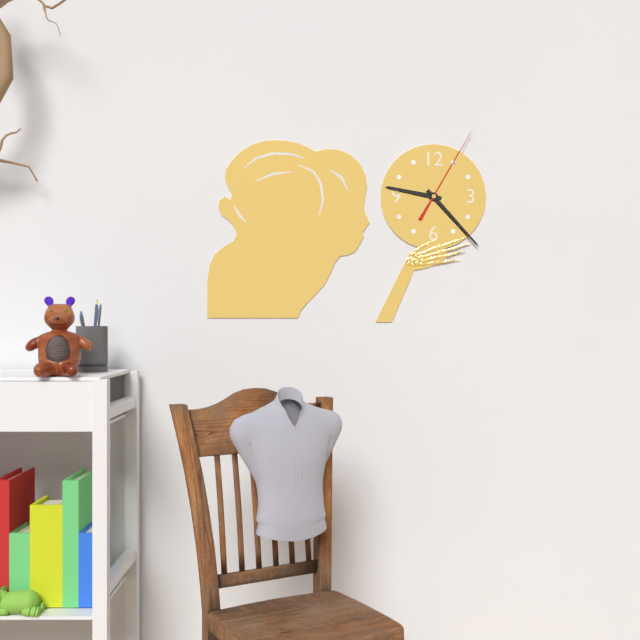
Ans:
9,23,05
